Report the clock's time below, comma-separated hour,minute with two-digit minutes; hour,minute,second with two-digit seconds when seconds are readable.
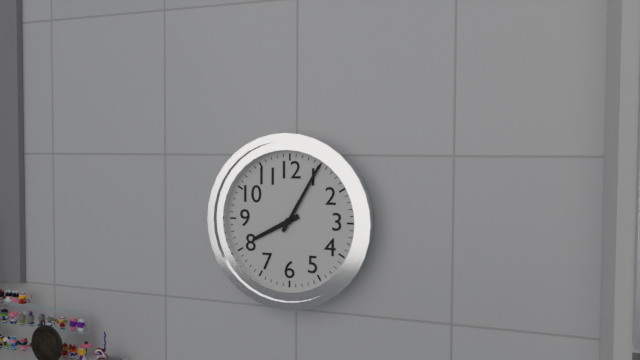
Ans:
8,05
